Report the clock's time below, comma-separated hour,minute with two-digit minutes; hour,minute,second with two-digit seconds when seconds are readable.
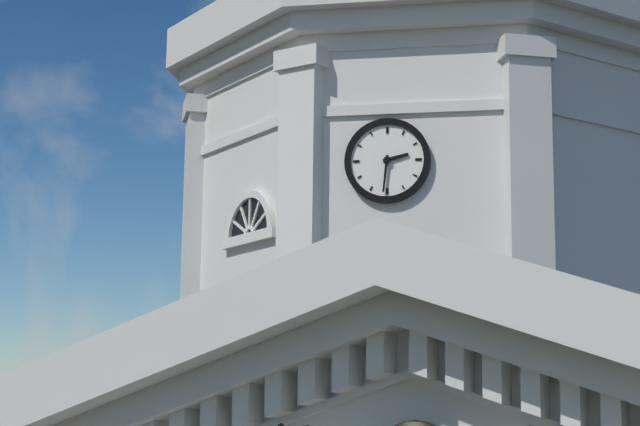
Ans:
2,31
